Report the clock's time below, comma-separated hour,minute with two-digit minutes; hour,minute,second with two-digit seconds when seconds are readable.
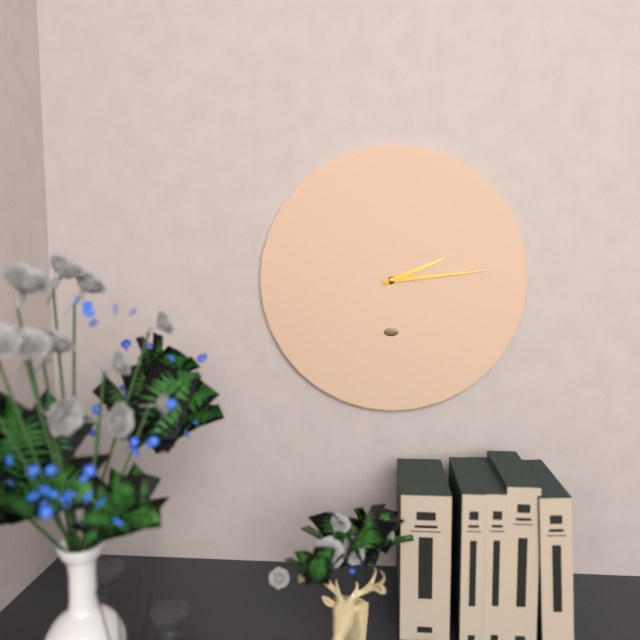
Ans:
2,14
